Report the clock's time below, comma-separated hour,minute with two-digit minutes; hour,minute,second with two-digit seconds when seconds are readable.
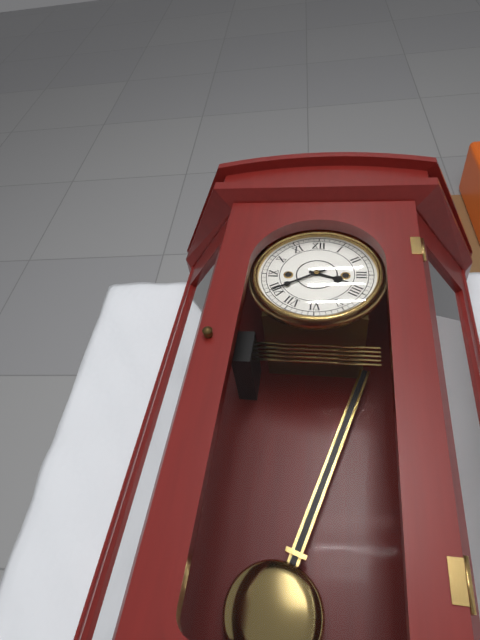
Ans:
3,40
